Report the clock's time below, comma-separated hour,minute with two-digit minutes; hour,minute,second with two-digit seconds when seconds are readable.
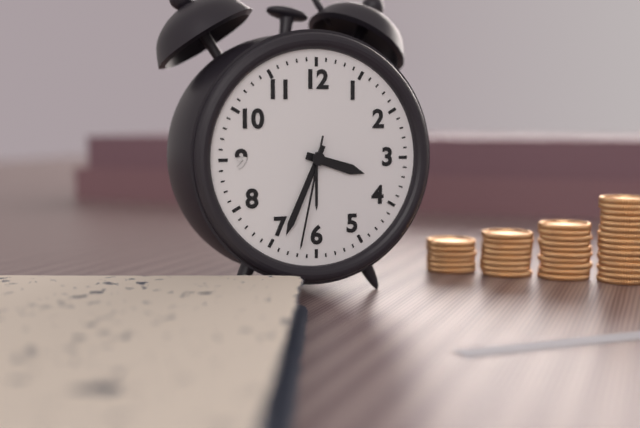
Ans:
3,34,32
